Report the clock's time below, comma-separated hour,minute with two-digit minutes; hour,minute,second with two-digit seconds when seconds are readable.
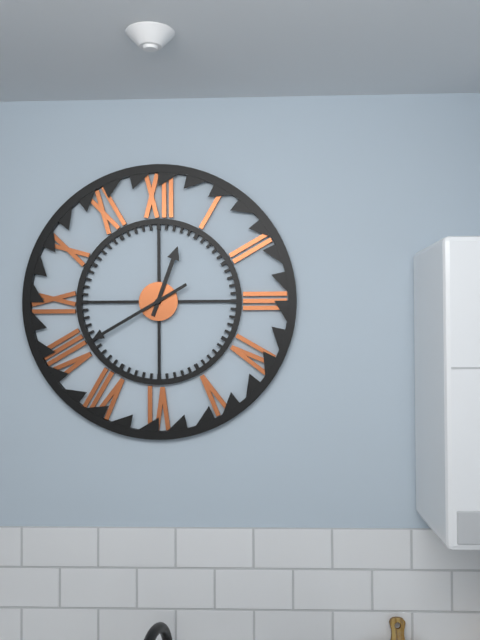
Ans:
12,40
